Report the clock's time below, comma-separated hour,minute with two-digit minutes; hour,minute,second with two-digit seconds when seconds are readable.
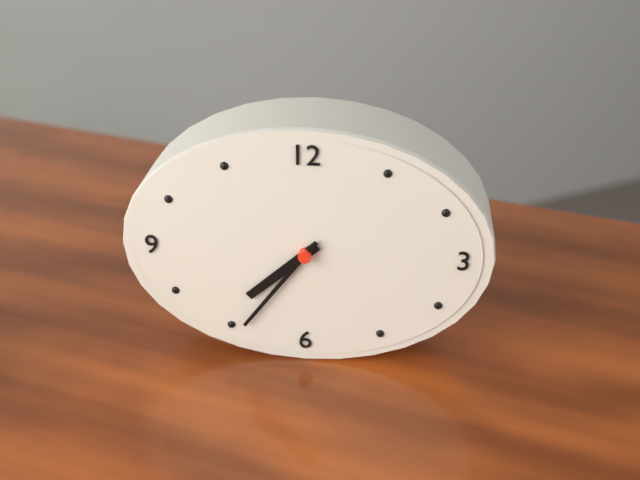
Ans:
7,36
